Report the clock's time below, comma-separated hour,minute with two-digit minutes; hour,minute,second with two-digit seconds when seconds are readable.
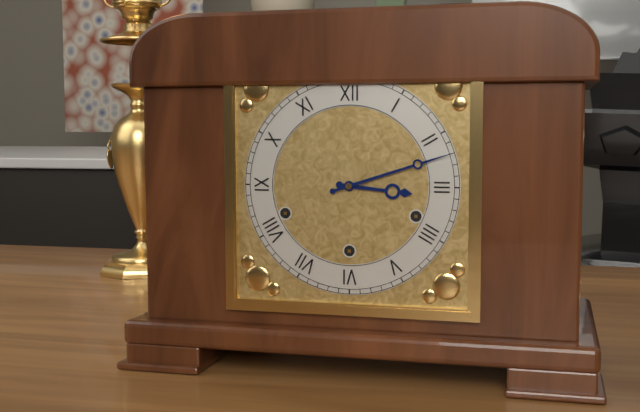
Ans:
3,12
